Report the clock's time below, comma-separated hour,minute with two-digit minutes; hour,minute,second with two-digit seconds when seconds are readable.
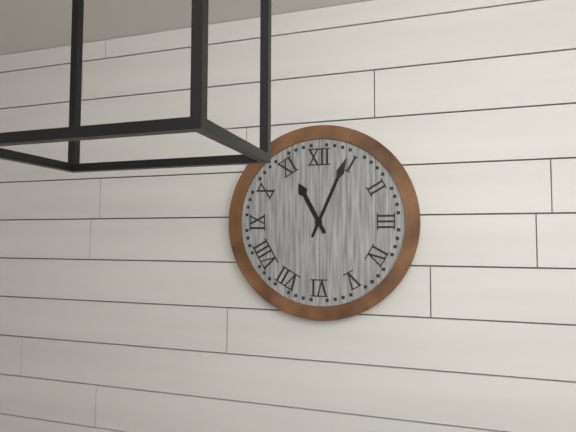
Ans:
11,04
